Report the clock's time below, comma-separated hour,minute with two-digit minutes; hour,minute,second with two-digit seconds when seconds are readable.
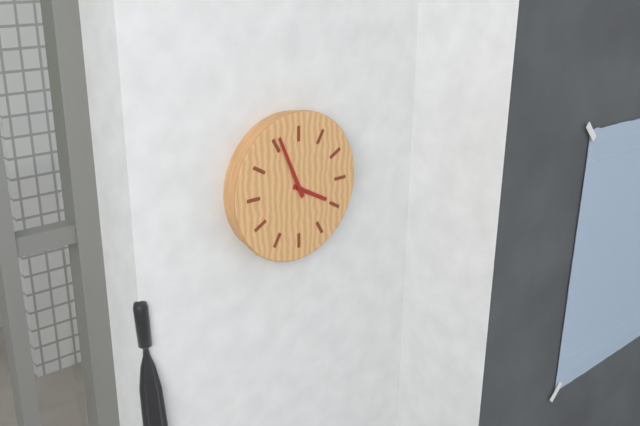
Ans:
3,56
